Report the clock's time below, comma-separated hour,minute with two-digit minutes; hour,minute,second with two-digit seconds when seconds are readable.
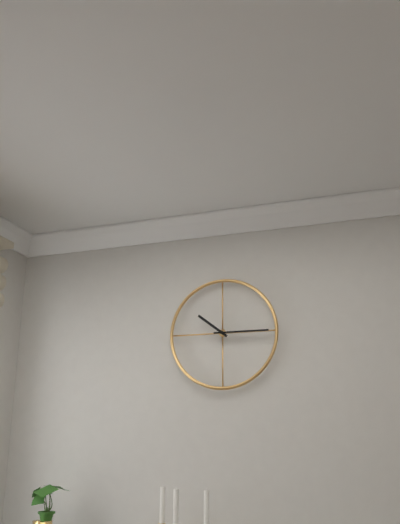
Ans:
10,15
